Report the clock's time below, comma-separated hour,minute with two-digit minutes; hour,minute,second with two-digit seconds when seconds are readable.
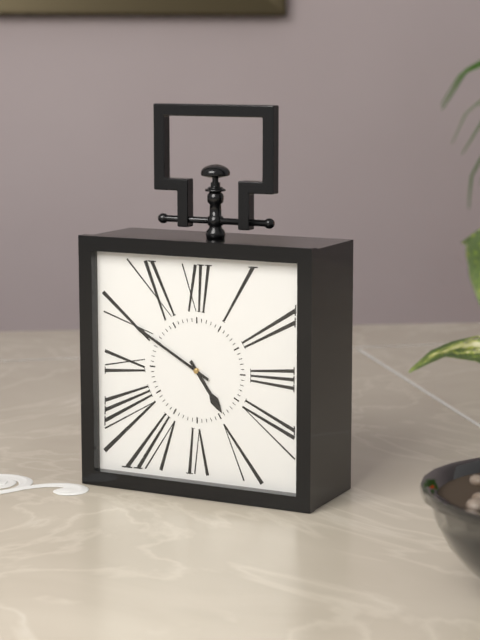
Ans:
4,50
